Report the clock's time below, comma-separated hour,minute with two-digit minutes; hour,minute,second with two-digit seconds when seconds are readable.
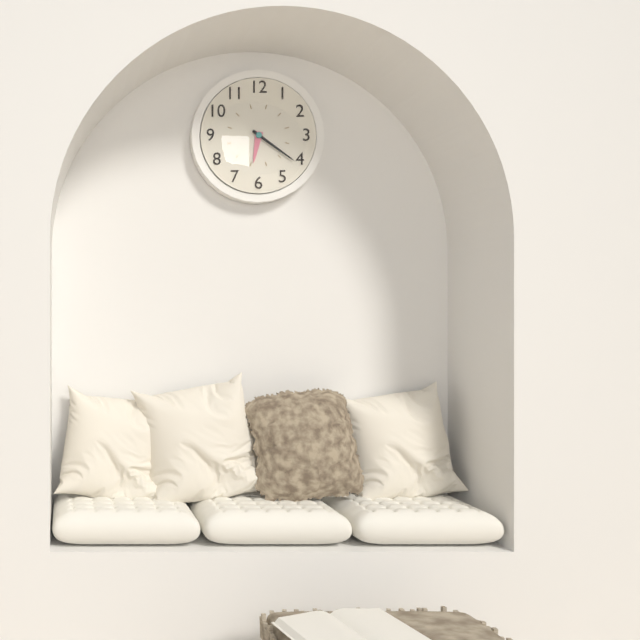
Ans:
6,21
